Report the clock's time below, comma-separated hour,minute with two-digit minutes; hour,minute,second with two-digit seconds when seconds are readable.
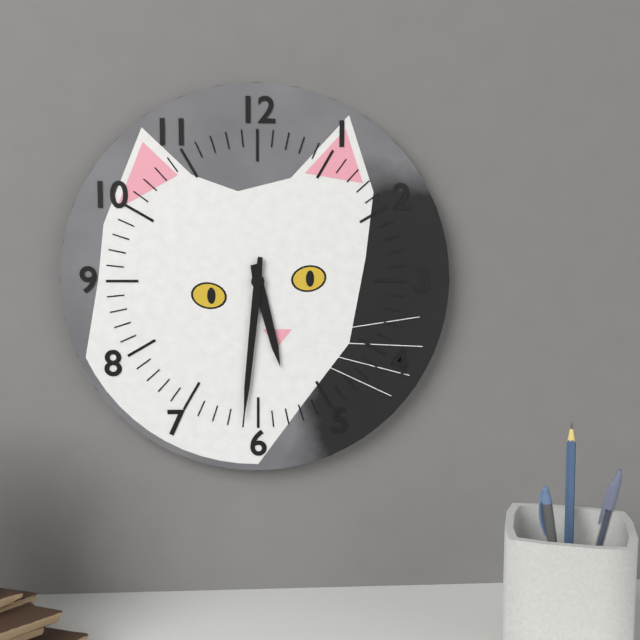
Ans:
5,31
